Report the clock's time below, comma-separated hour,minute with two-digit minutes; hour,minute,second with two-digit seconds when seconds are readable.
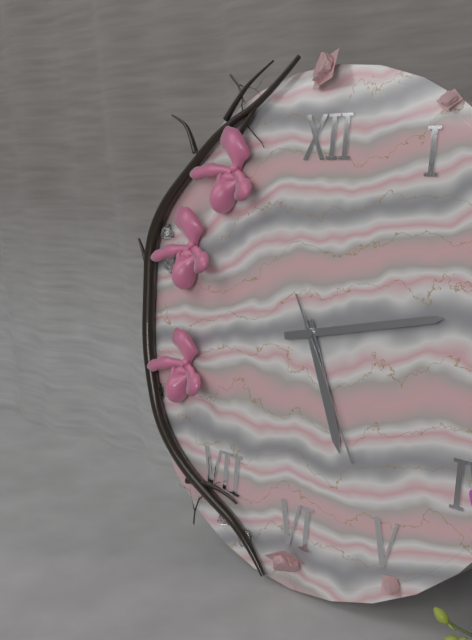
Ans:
5,13,25
